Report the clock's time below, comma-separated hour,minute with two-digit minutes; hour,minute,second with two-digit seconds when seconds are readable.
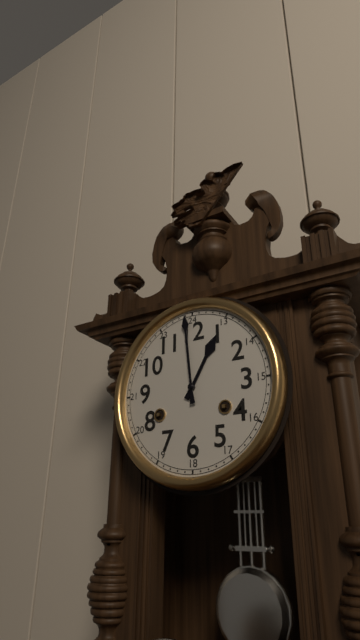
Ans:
12,59
